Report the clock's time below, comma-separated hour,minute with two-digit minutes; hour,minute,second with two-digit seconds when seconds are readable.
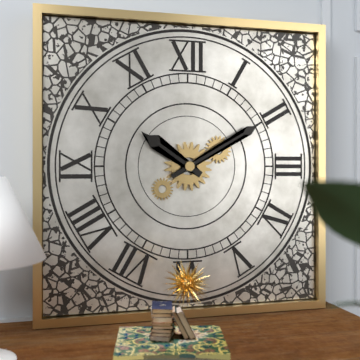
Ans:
10,10
